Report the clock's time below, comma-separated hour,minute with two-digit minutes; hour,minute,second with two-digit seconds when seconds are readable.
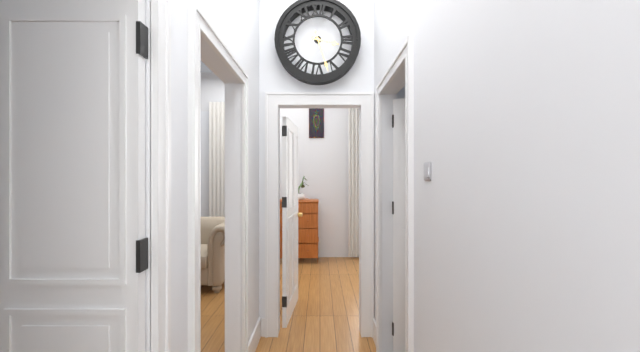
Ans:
3,27
